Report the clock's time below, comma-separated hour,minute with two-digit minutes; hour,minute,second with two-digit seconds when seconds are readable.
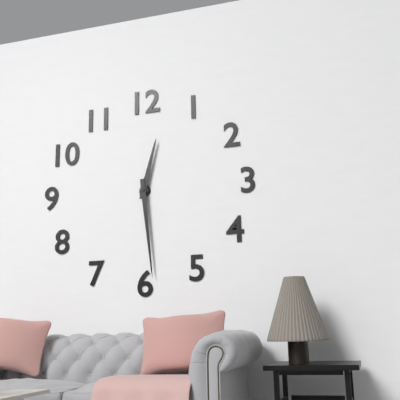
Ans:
12,29
